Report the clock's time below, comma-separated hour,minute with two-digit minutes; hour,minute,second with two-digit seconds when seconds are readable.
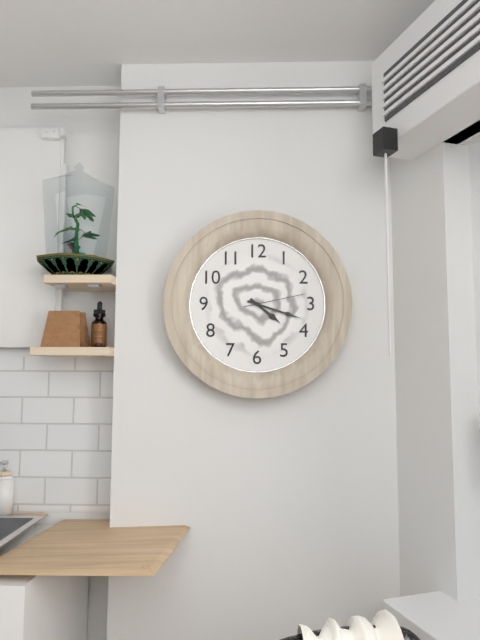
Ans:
4,18,13
